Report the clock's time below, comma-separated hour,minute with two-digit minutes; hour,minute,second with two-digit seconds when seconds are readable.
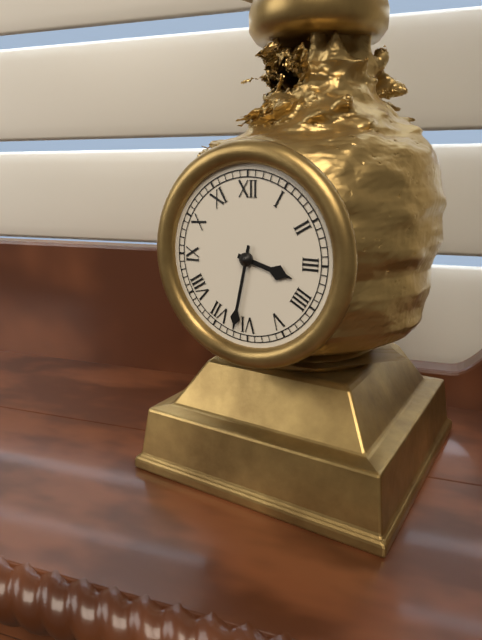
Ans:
3,32
